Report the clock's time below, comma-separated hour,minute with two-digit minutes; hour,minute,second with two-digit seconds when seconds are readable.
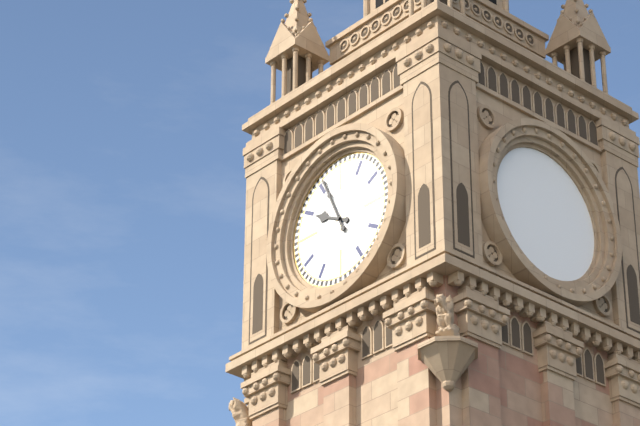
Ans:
9,56
